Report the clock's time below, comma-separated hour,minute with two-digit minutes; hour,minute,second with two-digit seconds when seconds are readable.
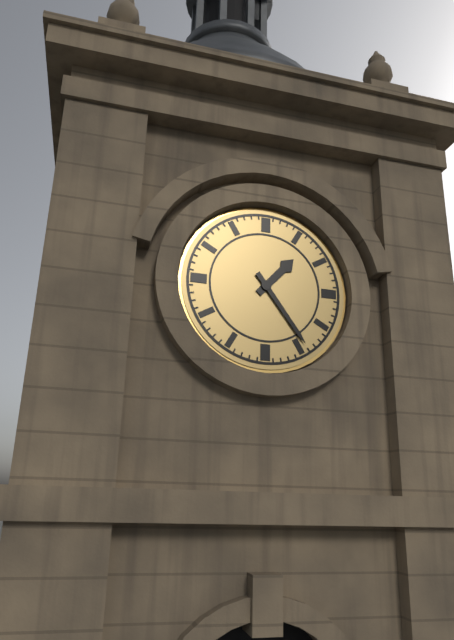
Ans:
1,24
